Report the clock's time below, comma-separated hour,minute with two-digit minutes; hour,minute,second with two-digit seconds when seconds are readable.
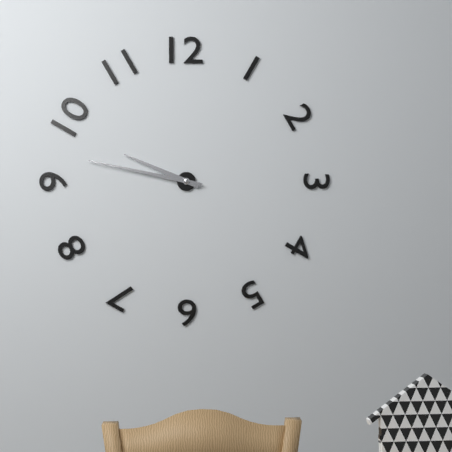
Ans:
9,47
